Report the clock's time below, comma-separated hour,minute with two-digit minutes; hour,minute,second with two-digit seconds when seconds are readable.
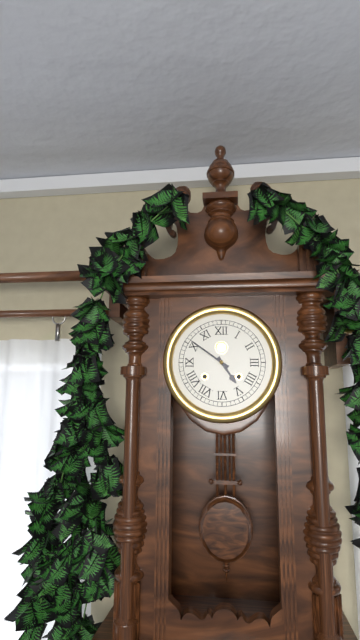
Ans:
4,51
